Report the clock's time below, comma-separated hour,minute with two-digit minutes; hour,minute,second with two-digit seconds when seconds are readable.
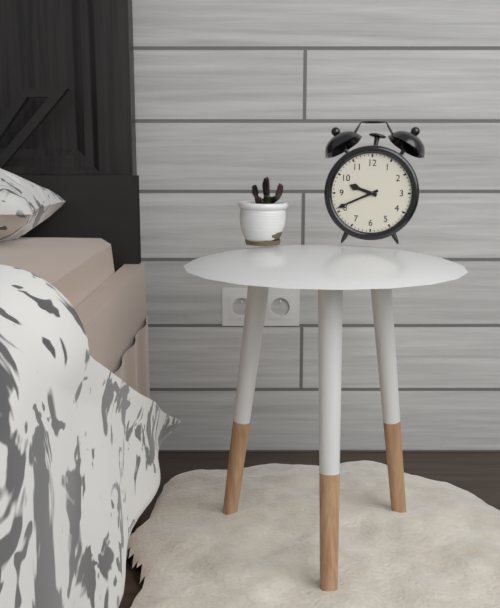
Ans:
9,41
